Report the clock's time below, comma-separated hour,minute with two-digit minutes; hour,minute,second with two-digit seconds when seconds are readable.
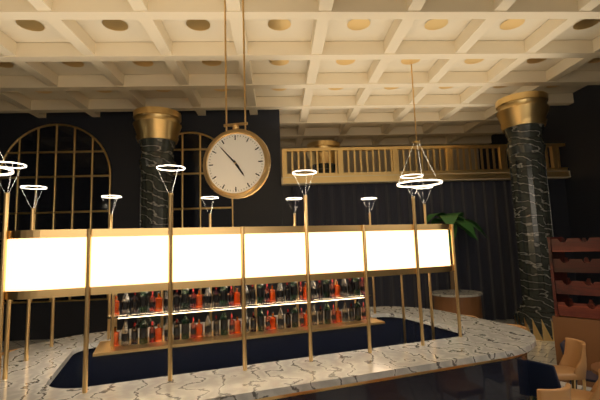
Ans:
4,53
